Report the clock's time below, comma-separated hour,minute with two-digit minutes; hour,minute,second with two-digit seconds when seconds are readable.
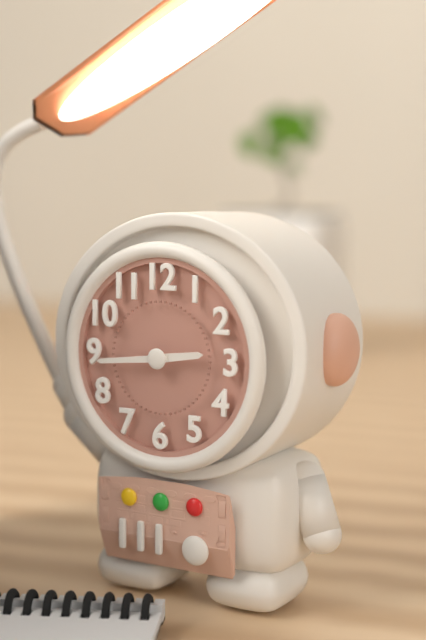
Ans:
2,44
